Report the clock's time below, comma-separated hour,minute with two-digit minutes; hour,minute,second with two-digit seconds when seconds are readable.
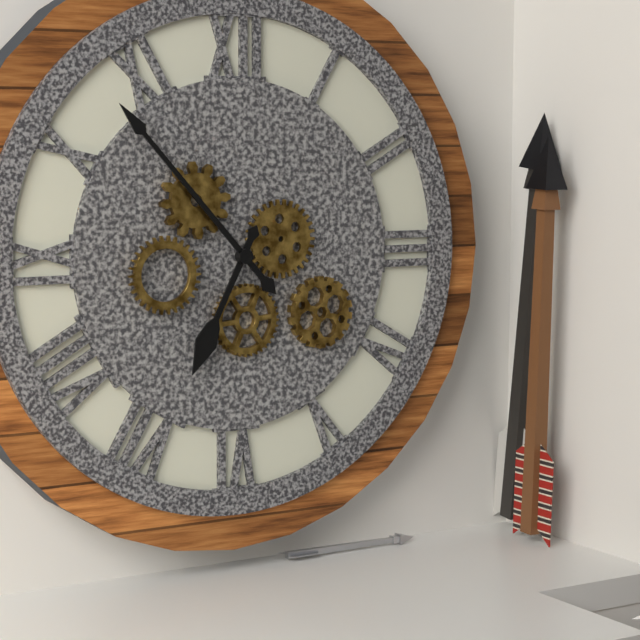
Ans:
6,53
